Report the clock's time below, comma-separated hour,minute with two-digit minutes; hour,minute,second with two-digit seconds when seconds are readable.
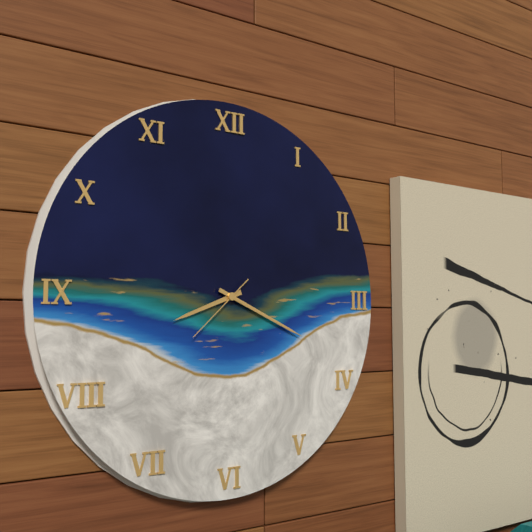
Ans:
8,19,38
